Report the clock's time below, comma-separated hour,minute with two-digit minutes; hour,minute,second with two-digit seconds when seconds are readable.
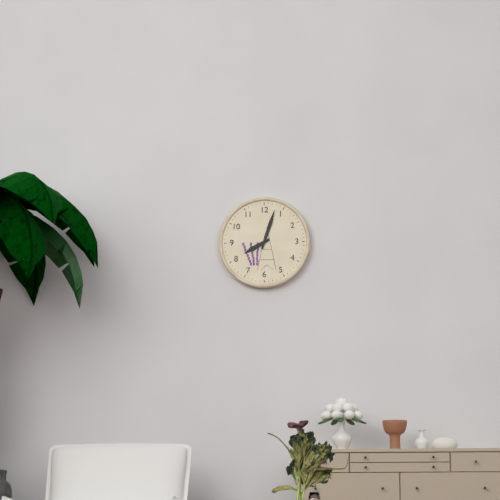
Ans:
8,03
